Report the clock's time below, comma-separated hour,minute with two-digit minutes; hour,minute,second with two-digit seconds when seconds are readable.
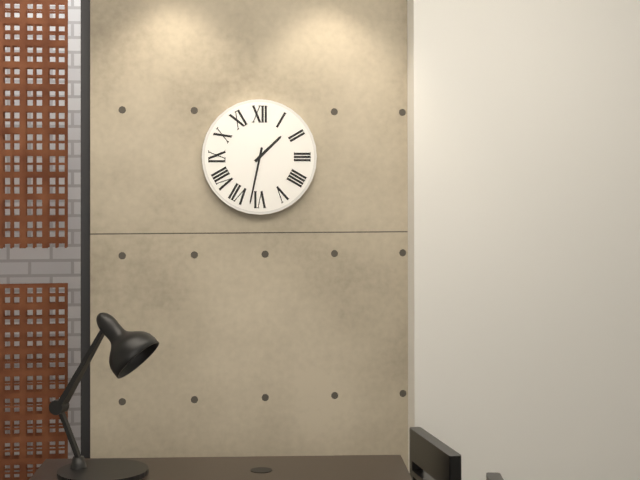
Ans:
1,32
